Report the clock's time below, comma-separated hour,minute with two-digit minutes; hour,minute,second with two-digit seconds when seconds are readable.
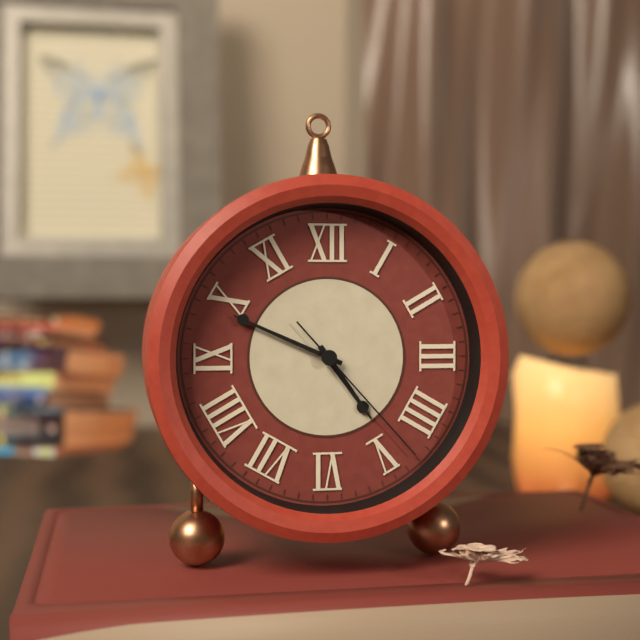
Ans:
4,49,23
